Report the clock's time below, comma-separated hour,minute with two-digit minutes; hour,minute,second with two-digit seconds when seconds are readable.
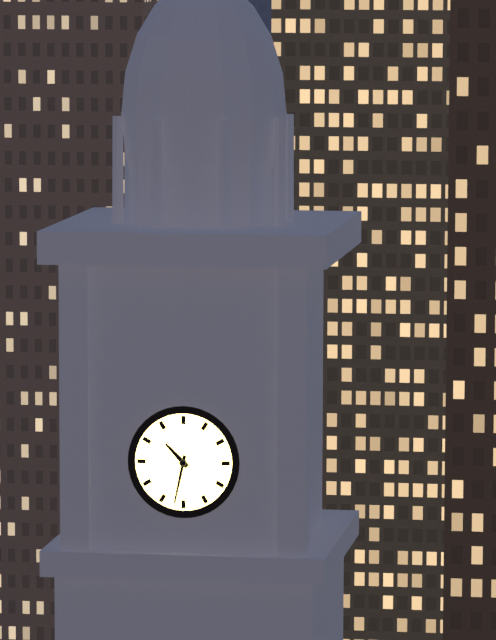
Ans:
10,32
